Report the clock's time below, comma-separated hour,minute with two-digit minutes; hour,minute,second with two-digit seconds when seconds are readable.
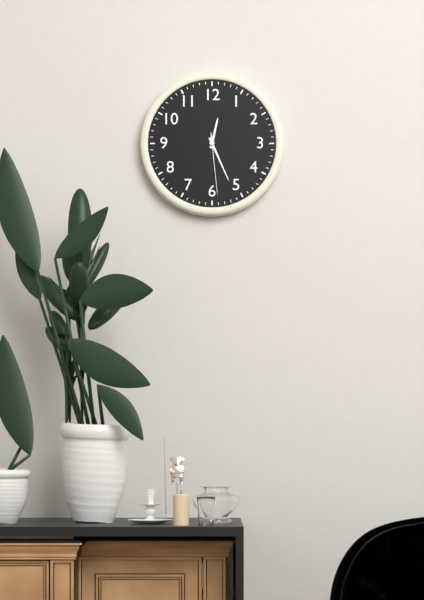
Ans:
12,26,29
